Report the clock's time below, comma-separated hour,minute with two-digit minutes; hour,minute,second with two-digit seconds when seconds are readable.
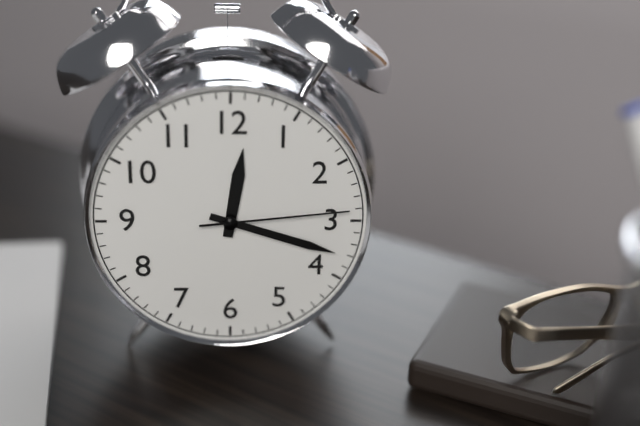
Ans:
12,18,14
